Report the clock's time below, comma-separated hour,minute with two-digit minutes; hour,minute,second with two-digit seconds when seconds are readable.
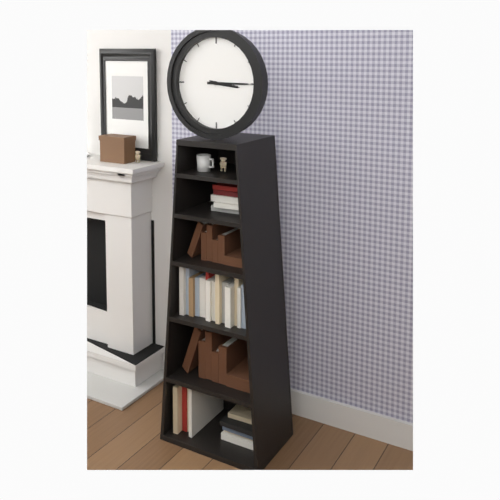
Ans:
3,15
